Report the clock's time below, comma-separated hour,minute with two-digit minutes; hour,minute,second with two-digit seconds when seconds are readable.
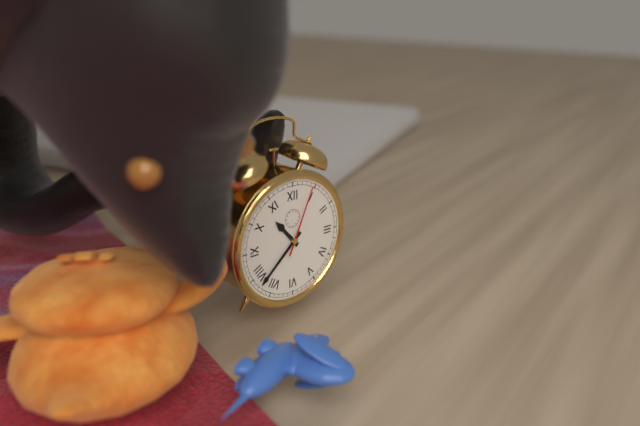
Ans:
10,38,04
